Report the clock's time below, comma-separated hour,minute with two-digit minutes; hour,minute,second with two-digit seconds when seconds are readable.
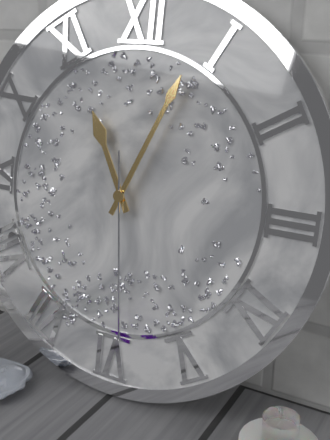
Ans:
11,04,29
